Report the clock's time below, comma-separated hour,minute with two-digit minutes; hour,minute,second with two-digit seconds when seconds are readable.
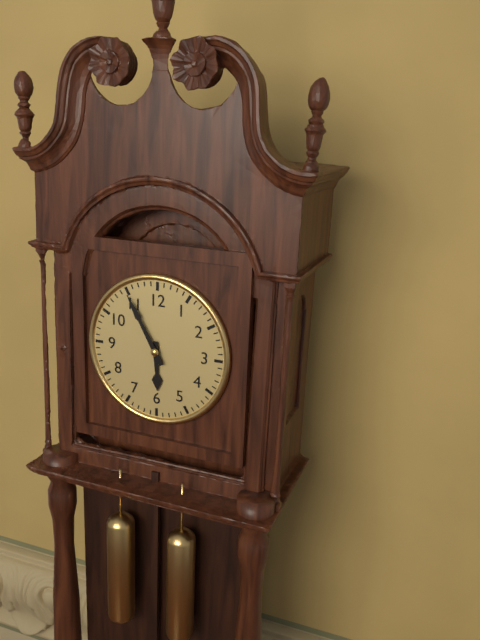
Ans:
5,55
